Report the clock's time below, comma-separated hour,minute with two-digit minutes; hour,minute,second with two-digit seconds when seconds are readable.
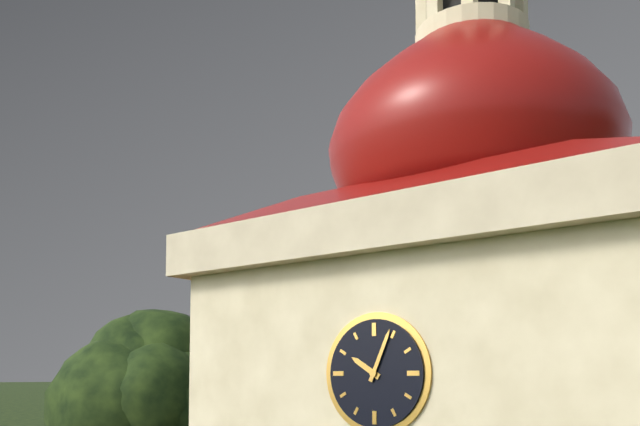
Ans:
10,04
